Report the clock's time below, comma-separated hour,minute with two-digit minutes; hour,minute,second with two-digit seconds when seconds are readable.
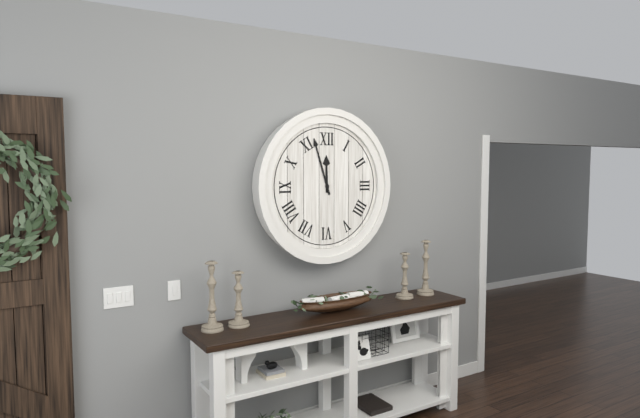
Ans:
11,57
